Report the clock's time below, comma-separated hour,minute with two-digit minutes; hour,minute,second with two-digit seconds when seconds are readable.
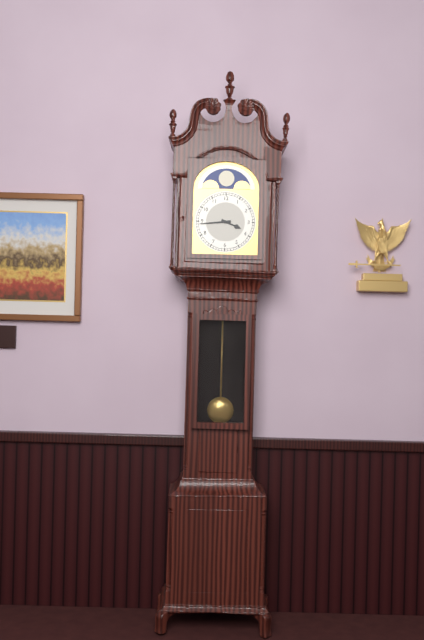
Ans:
3,44
